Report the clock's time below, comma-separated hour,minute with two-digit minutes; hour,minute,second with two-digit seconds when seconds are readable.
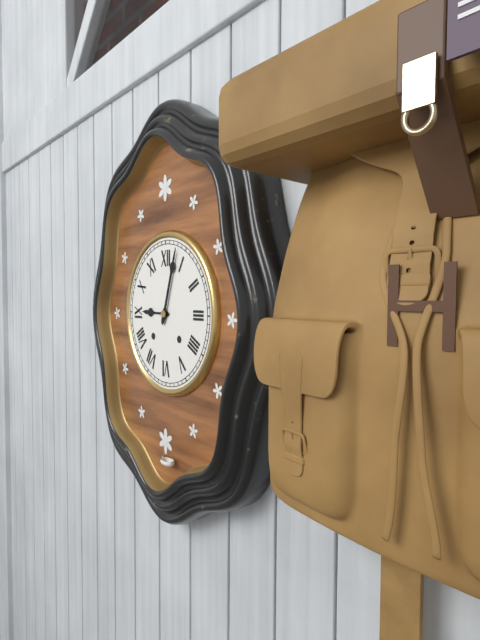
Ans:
9,03
